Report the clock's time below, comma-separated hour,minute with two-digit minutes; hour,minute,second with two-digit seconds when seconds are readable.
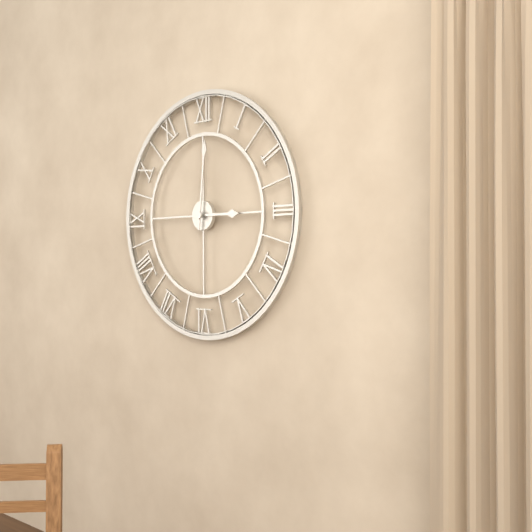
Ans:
3,01
